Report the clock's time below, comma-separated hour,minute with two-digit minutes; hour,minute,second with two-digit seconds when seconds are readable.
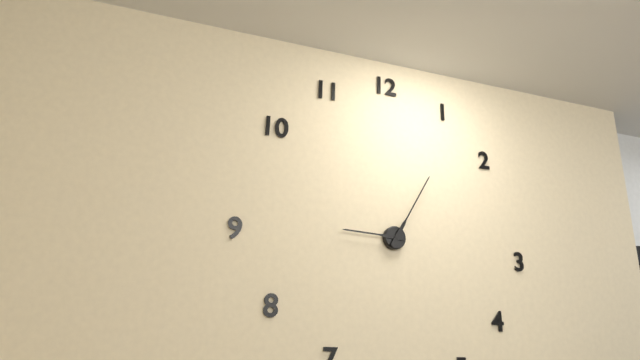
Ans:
9,05
